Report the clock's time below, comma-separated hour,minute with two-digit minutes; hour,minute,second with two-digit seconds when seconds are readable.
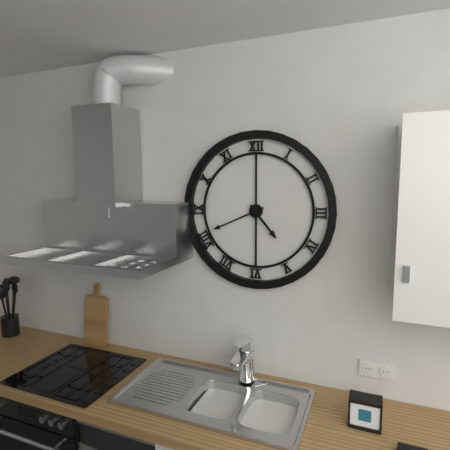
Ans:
4,41
